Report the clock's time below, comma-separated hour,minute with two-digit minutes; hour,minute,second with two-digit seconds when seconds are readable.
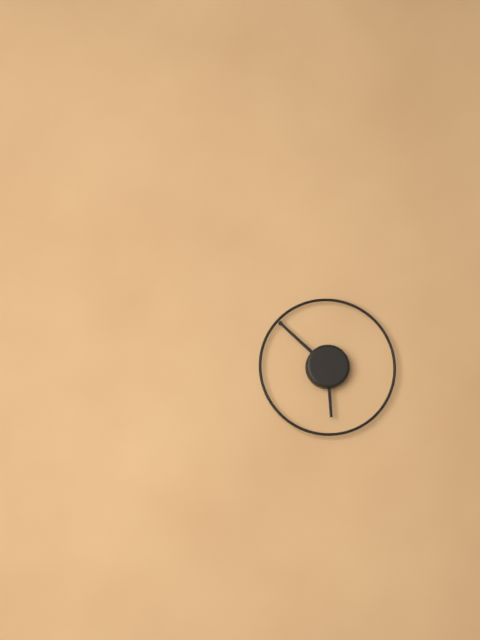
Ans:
5,52
